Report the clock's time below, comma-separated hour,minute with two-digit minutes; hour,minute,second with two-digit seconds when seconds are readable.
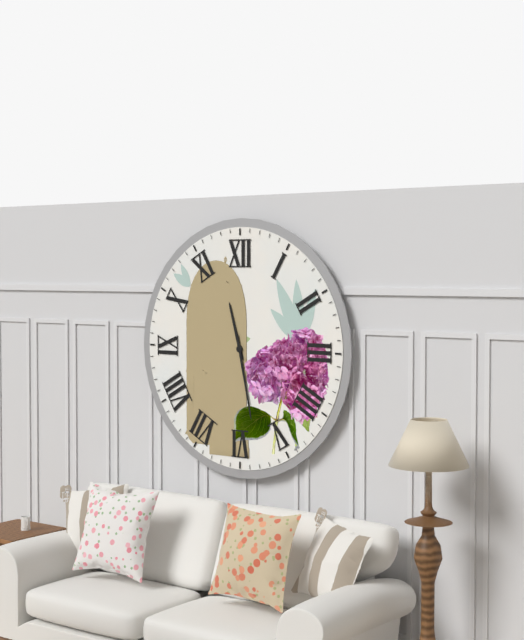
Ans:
11,28
